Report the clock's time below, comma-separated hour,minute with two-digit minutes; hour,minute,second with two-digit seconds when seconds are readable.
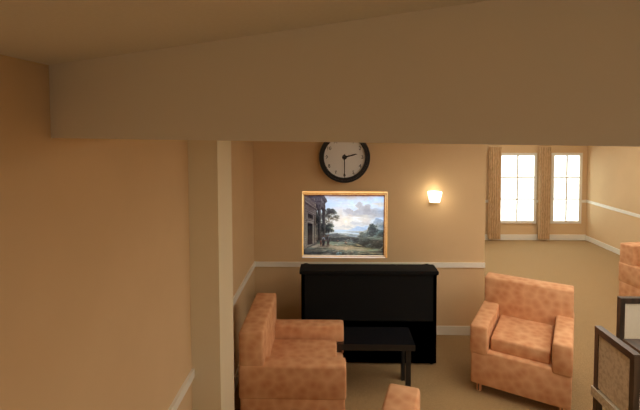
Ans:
2,30
